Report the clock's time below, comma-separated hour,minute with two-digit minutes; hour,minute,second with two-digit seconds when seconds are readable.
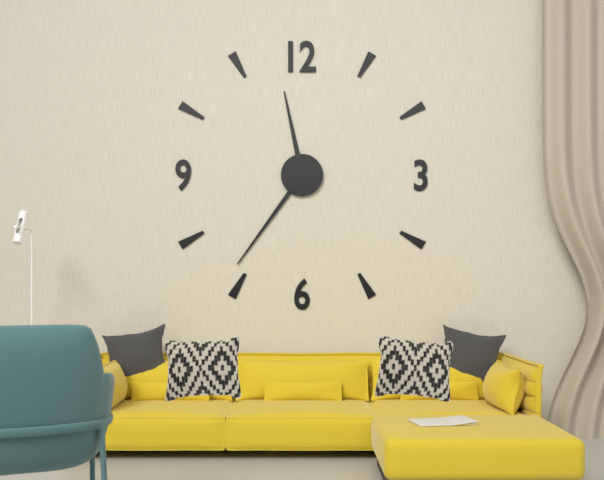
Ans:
11,36
